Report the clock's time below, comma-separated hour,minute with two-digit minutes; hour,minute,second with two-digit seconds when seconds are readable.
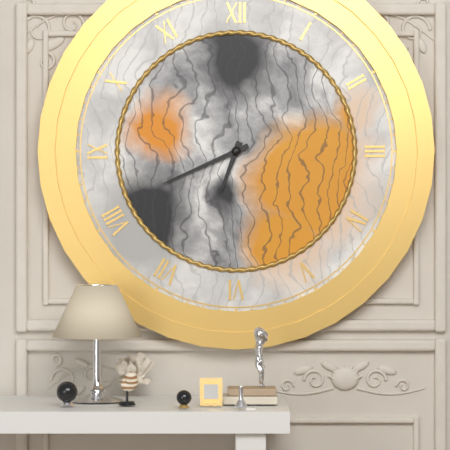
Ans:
6,41
